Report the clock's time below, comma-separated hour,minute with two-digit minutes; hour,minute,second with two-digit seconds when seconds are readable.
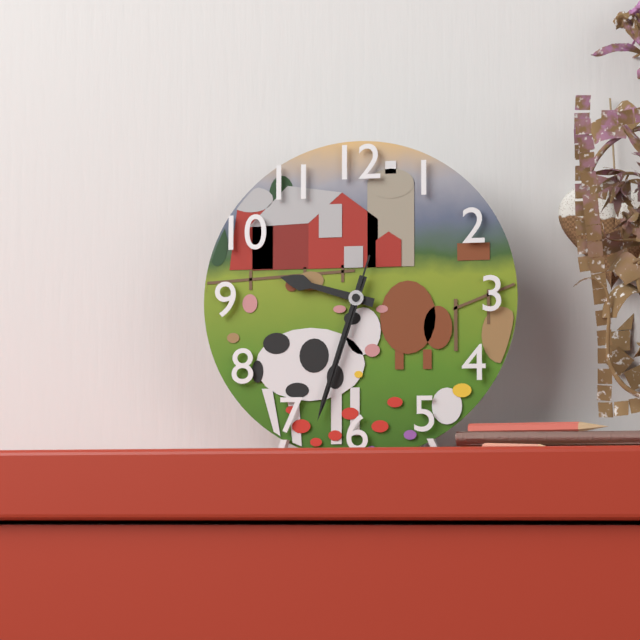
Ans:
9,33,33
